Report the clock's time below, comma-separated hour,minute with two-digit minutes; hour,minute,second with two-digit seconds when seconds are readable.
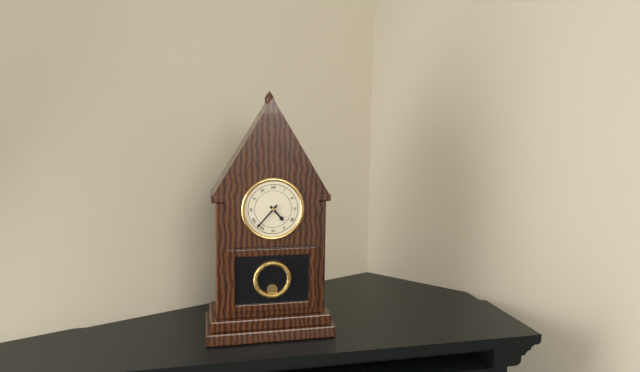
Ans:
4,37
